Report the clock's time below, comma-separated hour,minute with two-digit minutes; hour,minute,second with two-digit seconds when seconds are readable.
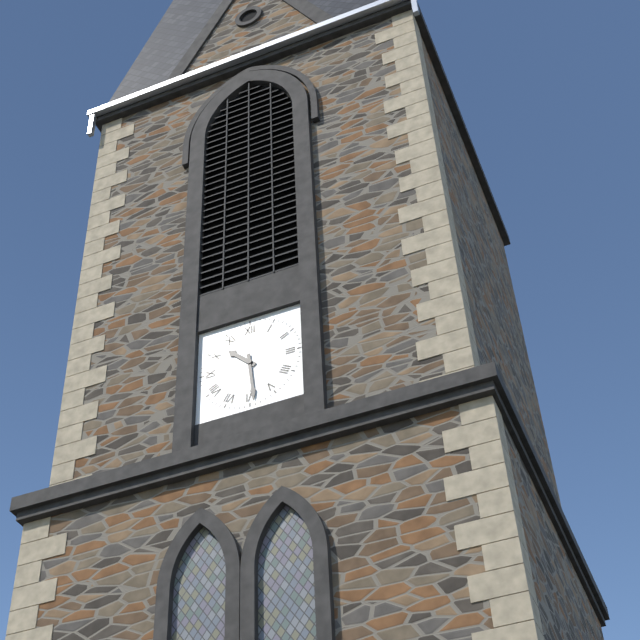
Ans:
10,29
